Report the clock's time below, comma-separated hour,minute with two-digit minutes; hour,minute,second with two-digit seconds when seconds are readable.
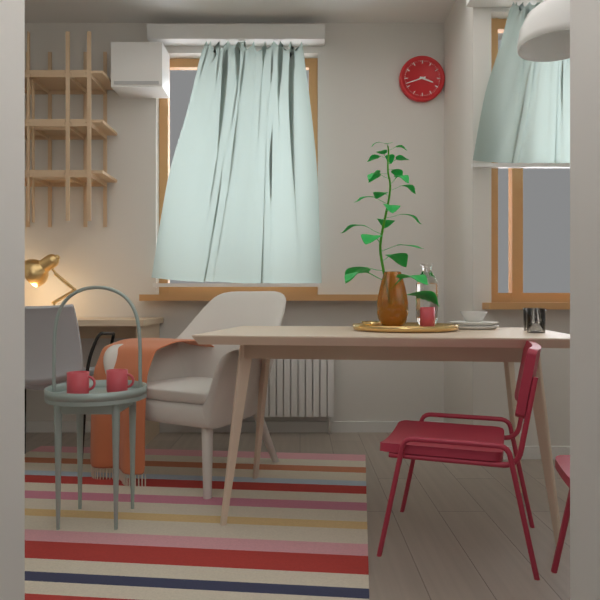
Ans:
3,42
